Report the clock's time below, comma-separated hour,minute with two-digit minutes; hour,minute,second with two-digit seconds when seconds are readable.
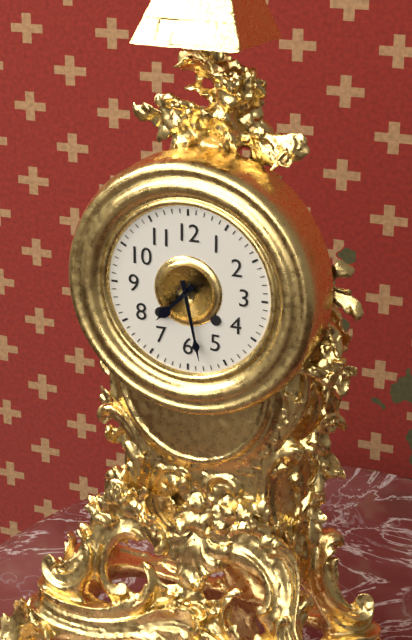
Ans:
7,28
